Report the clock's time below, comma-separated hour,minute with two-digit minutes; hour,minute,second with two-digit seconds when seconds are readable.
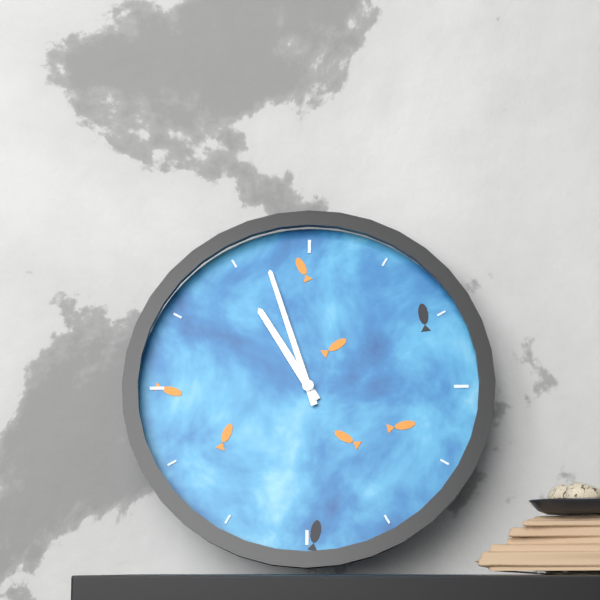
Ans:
10,57
